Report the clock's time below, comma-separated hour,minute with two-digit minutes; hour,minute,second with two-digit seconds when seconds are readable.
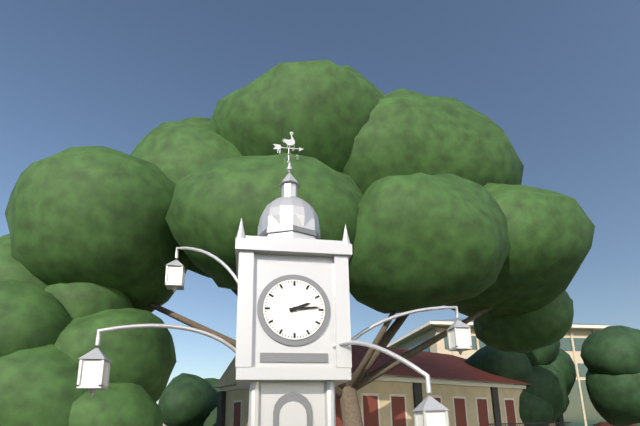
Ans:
2,14
